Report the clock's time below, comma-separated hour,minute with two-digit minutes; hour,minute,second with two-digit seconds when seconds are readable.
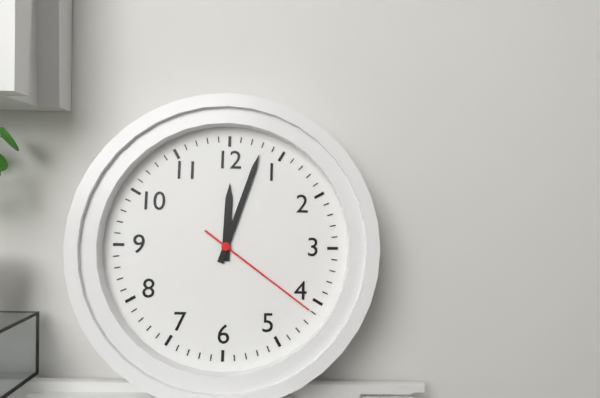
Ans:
12,03,21
